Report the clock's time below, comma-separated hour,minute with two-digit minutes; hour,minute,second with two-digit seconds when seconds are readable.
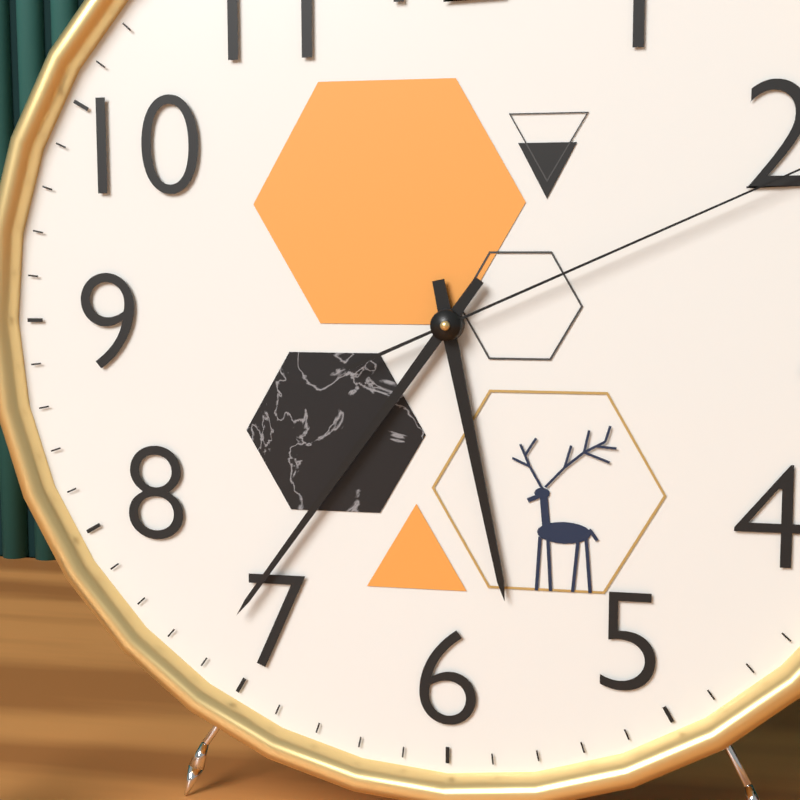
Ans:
5,36
